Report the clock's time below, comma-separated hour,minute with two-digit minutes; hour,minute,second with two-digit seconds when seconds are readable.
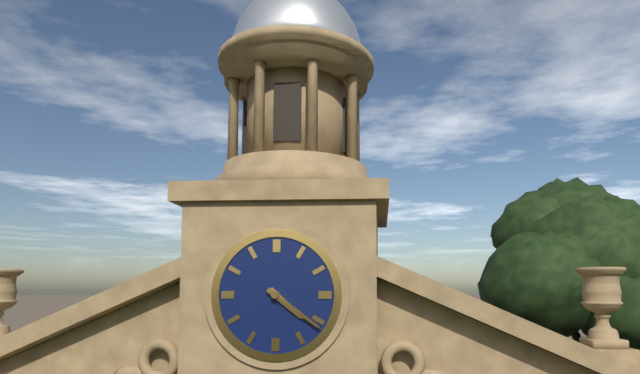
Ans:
4,21
